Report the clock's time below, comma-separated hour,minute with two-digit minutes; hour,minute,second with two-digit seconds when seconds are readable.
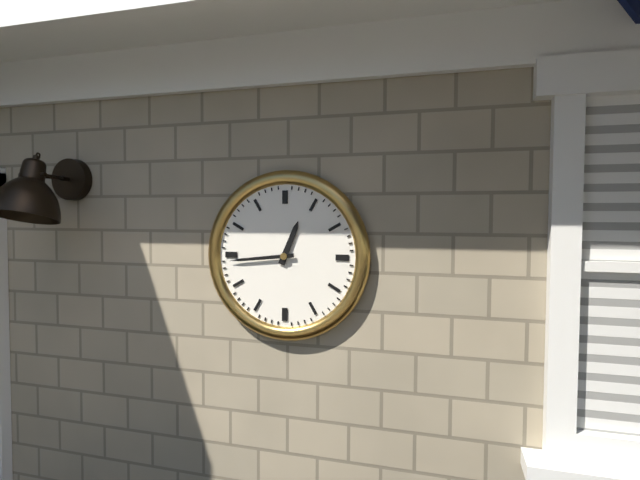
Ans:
12,44
